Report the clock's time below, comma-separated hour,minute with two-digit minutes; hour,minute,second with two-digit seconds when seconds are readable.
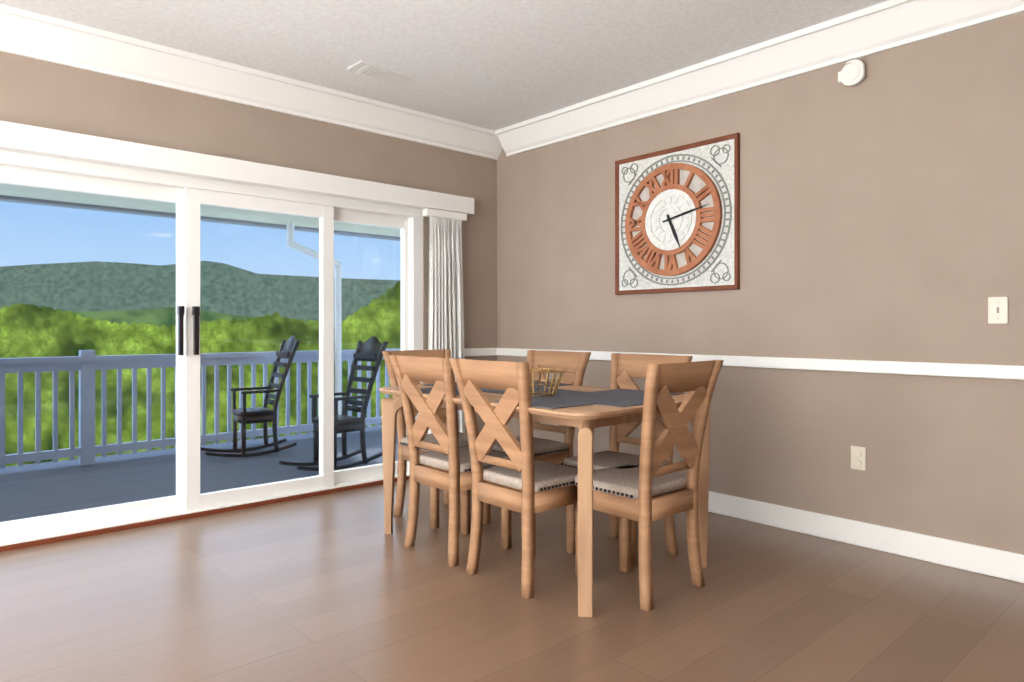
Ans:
5,13
